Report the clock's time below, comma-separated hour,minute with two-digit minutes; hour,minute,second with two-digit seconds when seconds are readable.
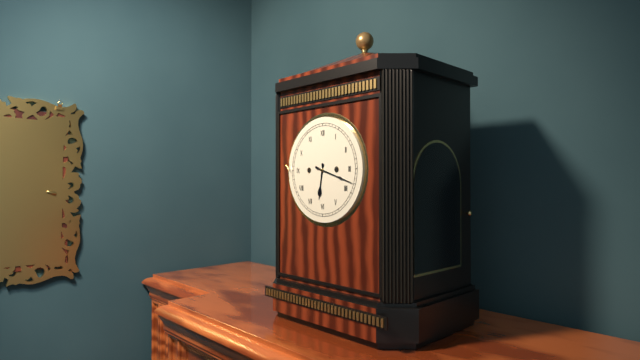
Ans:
6,18
